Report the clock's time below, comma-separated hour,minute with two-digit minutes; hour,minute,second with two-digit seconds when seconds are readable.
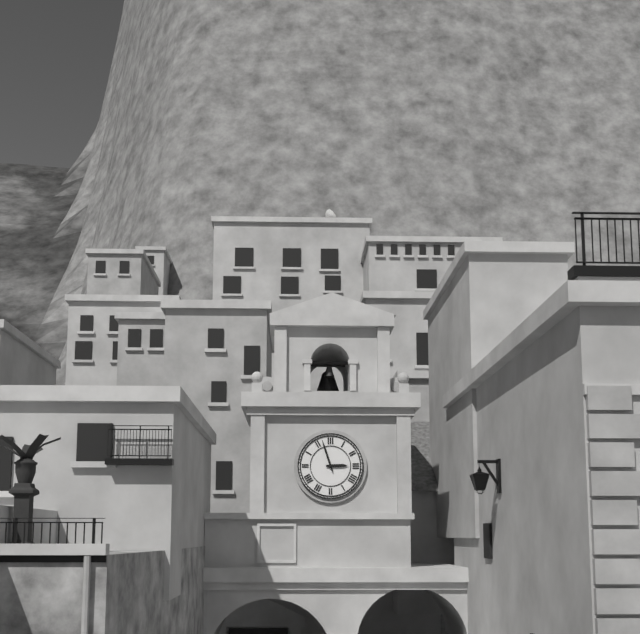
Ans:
2,57
